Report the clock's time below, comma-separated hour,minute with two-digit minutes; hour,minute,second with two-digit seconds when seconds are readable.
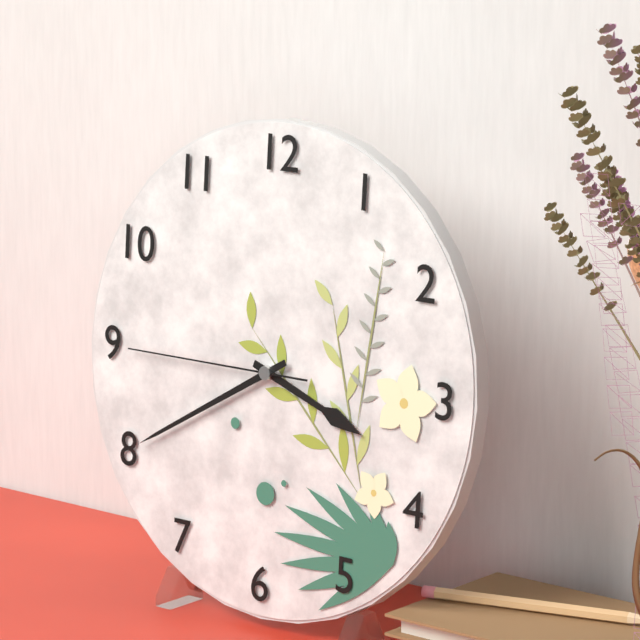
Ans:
3,40,45
